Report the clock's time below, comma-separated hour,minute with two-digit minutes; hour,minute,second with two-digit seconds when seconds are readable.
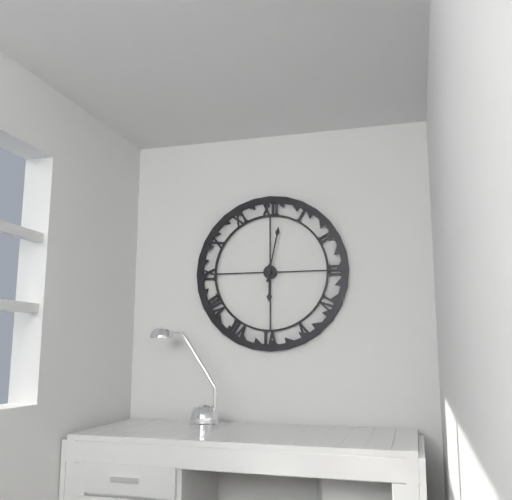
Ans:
6,02
